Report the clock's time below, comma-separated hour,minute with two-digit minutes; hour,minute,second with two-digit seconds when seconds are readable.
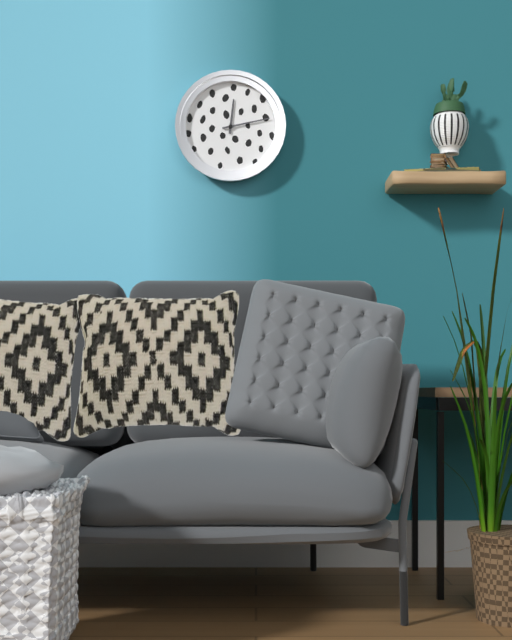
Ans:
12,13
